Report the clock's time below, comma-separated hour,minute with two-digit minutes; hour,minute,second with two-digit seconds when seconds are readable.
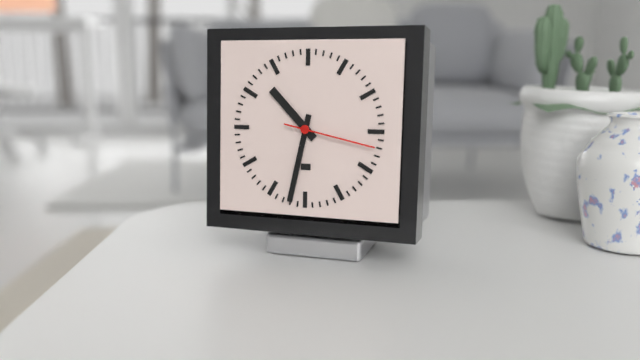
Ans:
10,32,17
